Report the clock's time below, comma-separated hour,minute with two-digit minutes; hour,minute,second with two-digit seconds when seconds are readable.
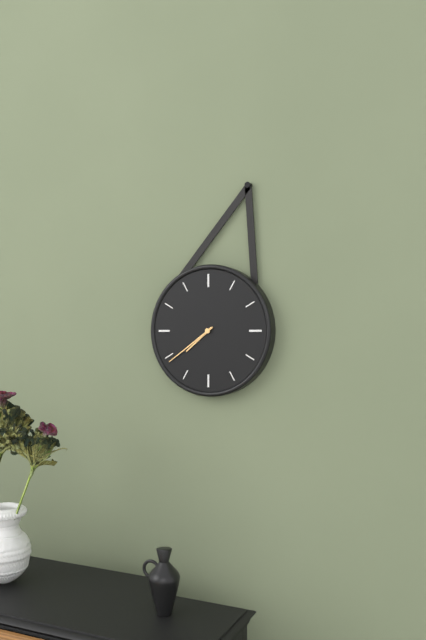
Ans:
7,39
